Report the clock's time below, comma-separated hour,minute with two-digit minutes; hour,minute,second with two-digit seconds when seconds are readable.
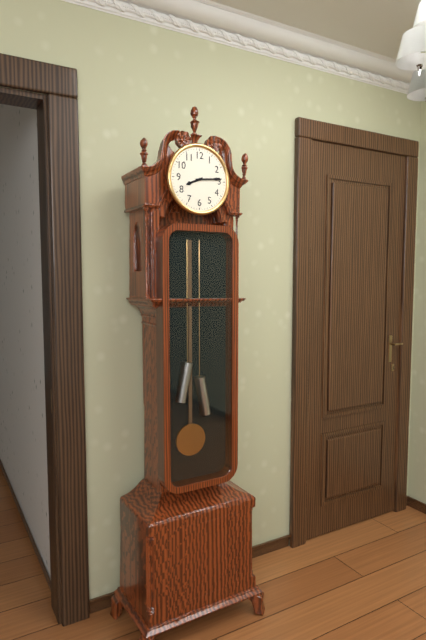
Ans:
8,14
